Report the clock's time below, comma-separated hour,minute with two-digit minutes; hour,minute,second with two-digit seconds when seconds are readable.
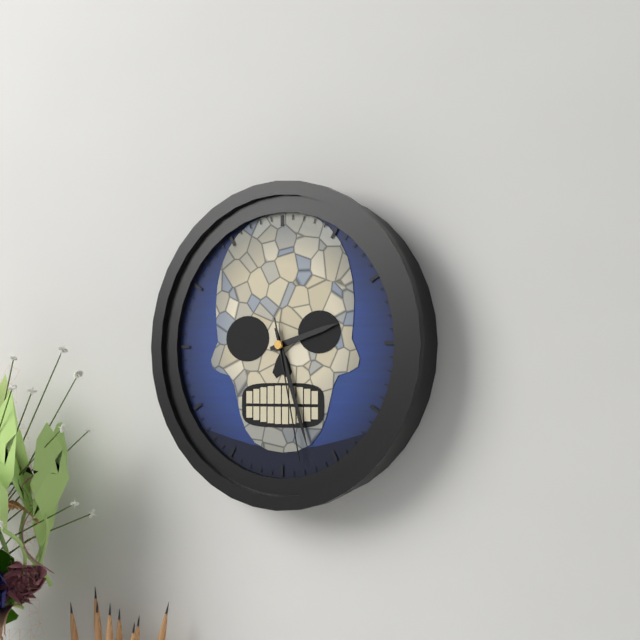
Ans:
2,27,28
